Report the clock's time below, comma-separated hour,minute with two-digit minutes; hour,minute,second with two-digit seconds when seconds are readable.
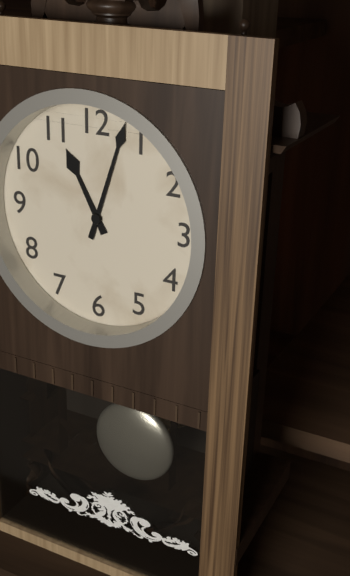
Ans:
11,03
